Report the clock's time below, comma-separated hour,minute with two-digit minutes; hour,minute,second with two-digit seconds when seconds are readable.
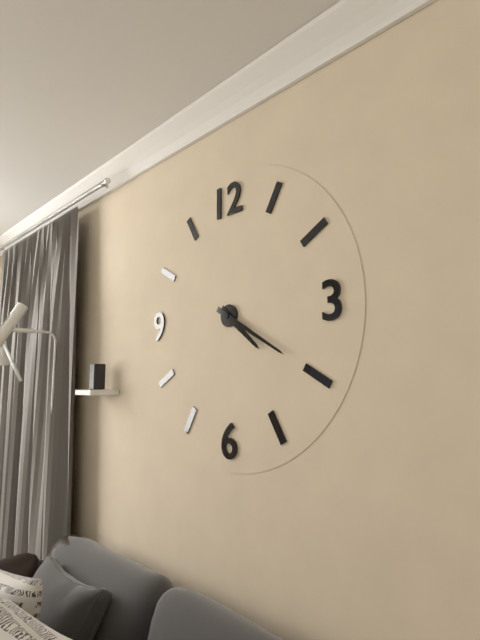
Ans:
4,20
